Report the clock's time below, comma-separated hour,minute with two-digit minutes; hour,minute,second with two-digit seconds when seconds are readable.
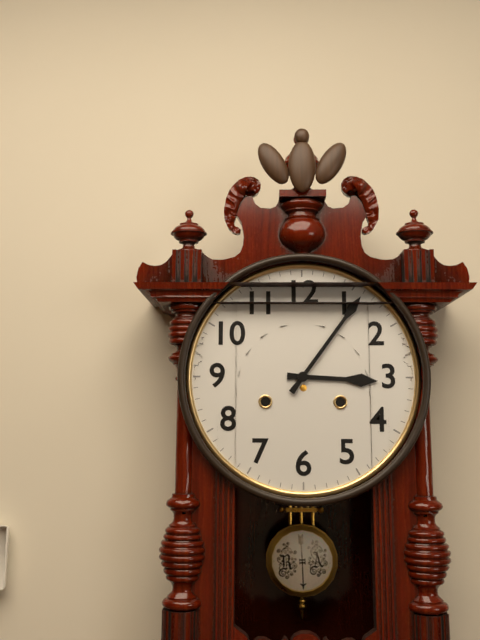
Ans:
3,06
